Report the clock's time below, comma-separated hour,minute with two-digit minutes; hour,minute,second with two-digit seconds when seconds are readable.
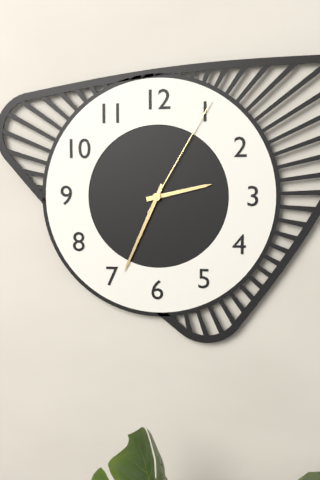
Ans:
2,34,05
